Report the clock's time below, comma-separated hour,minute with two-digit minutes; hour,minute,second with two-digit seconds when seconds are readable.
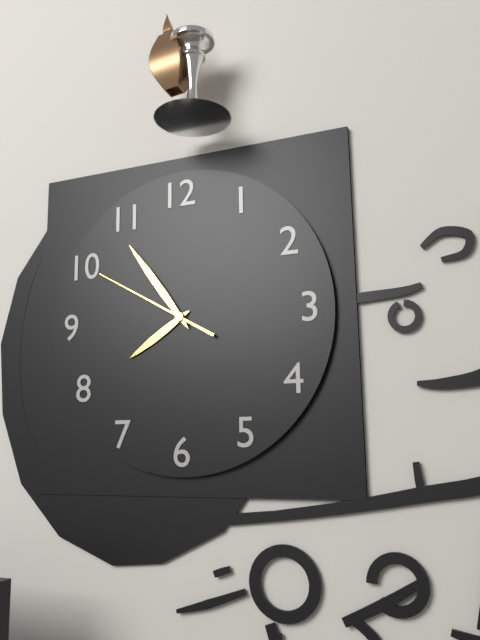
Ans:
7,54,50
